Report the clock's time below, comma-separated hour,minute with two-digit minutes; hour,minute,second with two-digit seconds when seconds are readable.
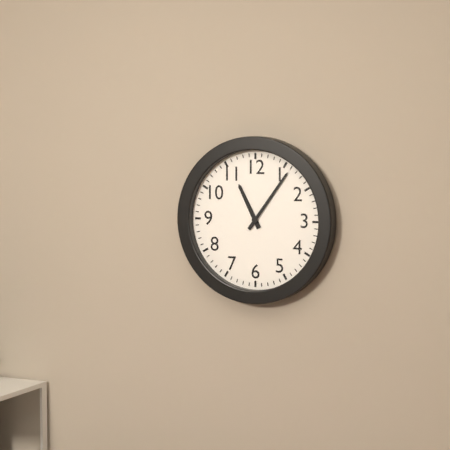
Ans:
11,06
